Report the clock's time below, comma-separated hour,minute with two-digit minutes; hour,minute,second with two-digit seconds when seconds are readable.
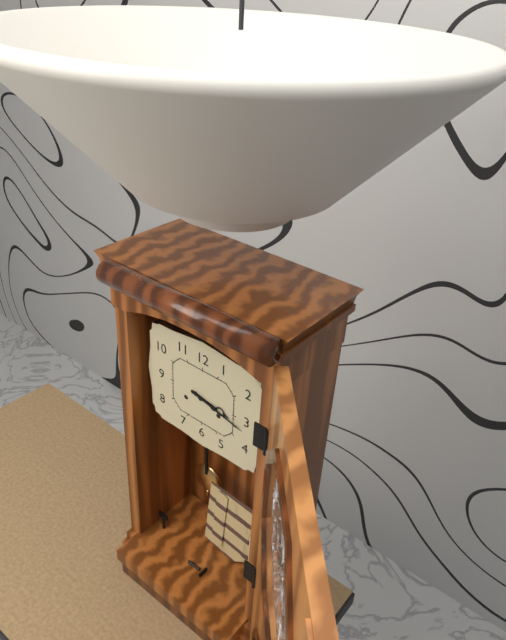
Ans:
3,17
